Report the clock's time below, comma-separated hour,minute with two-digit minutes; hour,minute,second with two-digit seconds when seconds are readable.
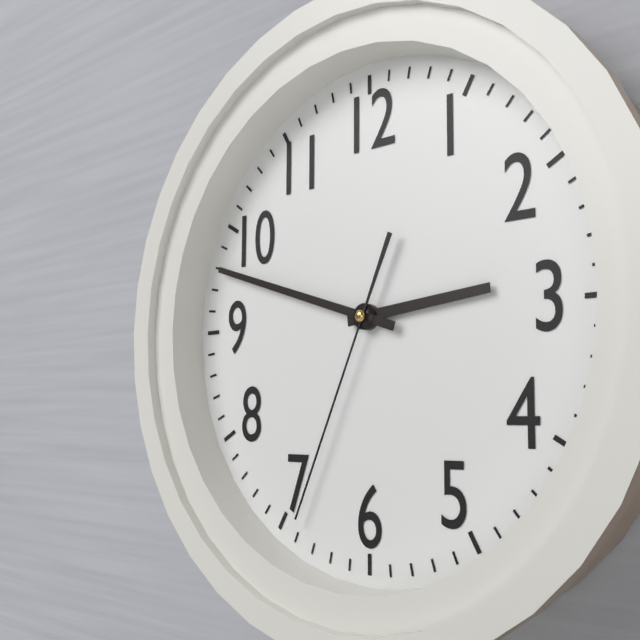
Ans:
2,48,34
